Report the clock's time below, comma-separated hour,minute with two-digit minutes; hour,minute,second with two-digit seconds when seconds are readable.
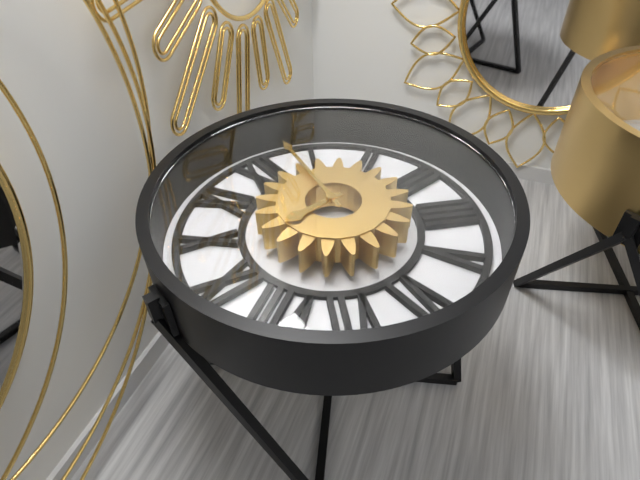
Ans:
9,02
